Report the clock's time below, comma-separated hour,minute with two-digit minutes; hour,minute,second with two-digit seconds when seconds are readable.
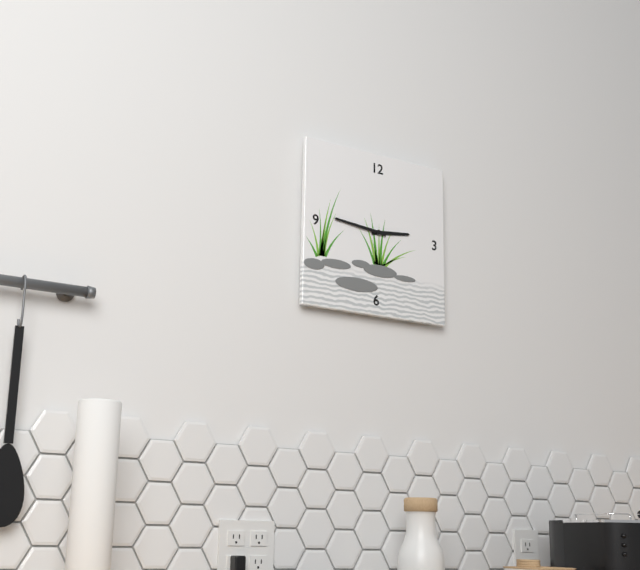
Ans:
2,46
